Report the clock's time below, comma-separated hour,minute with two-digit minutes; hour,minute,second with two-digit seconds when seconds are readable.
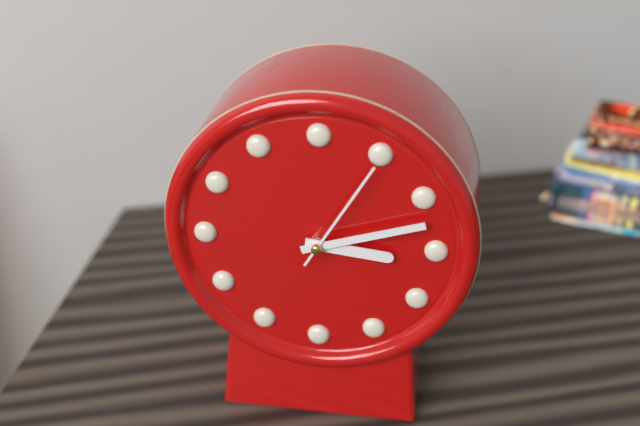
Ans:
3,12,05
